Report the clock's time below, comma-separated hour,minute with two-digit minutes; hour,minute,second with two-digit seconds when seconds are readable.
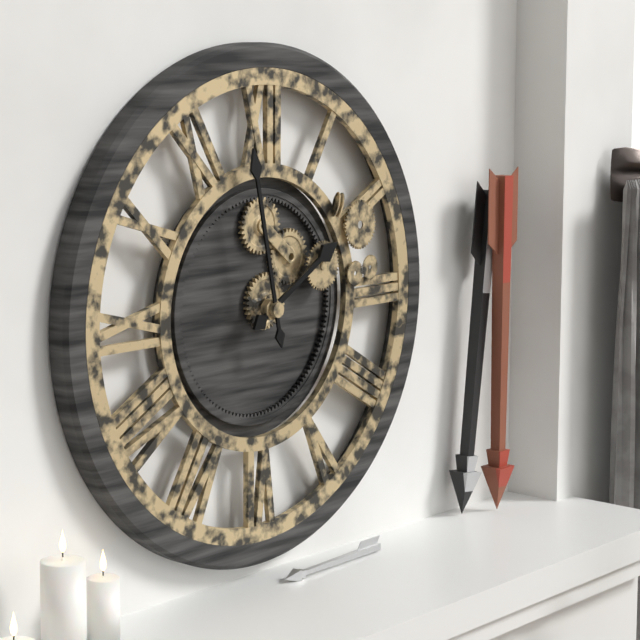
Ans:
1,58
